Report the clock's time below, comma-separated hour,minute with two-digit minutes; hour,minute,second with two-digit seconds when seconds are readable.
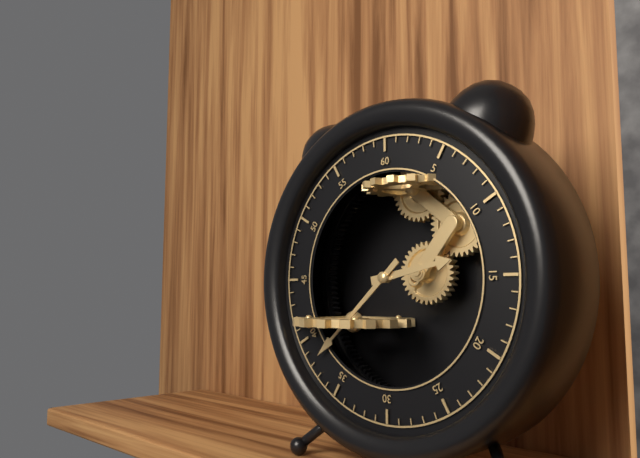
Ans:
2,38
